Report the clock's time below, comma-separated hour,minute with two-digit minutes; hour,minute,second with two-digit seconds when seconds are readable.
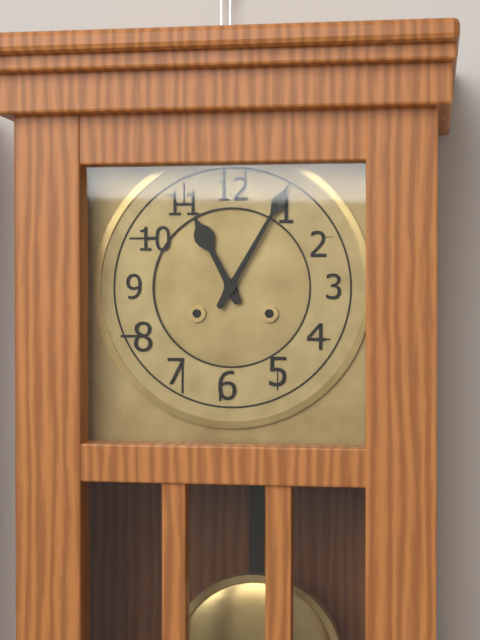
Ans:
11,05
